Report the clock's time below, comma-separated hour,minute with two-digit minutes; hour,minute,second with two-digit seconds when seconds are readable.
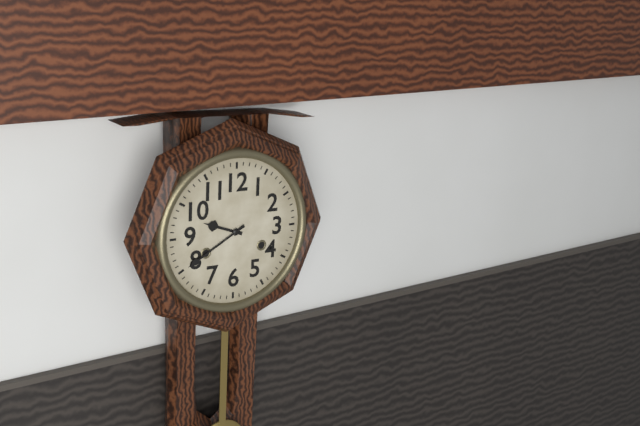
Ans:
9,40
